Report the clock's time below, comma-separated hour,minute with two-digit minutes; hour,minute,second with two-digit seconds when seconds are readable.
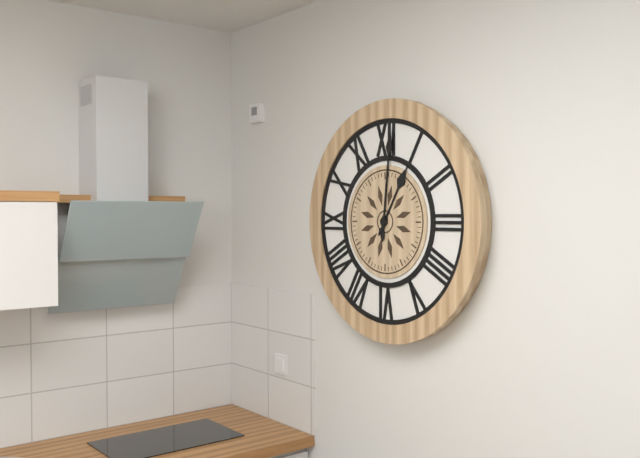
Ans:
1,01
